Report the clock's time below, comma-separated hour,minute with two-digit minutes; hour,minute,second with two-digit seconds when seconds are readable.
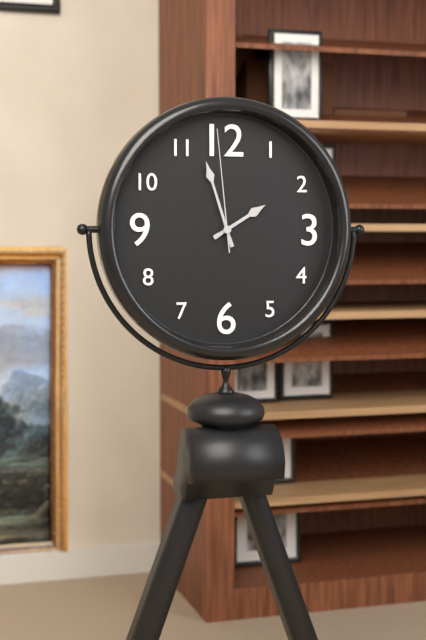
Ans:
1,57,59
